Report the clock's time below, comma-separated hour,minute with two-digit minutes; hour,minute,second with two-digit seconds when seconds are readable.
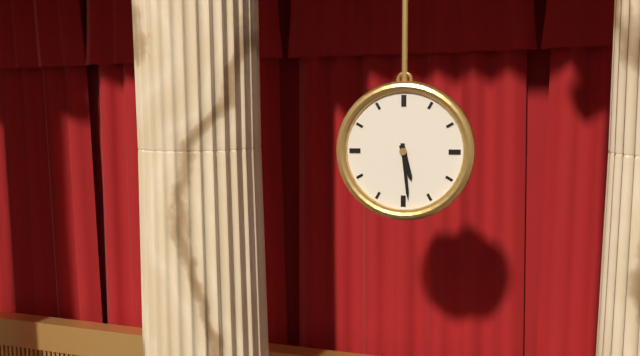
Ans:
5,29
